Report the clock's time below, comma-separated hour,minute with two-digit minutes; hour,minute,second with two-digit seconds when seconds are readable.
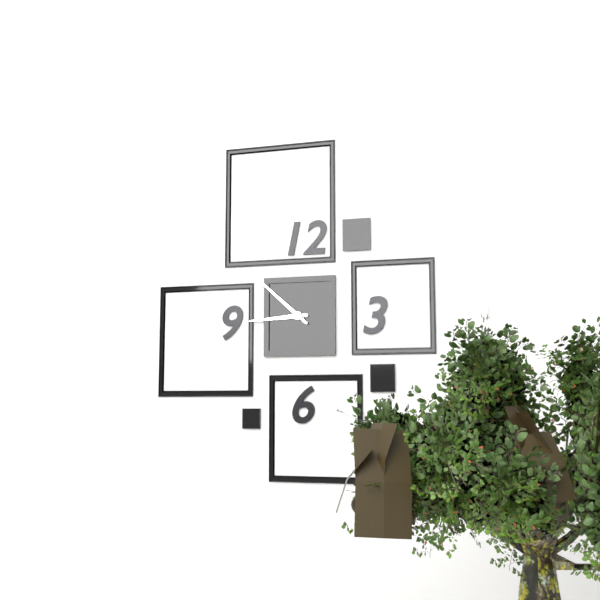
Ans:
8,52
